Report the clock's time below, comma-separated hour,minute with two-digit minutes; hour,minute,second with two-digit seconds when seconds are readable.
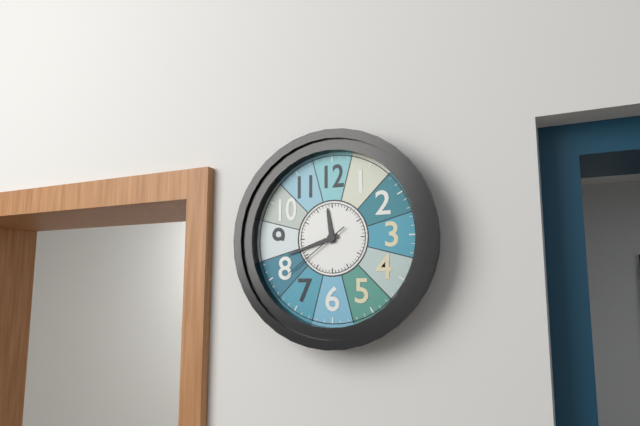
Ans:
11,42,39
